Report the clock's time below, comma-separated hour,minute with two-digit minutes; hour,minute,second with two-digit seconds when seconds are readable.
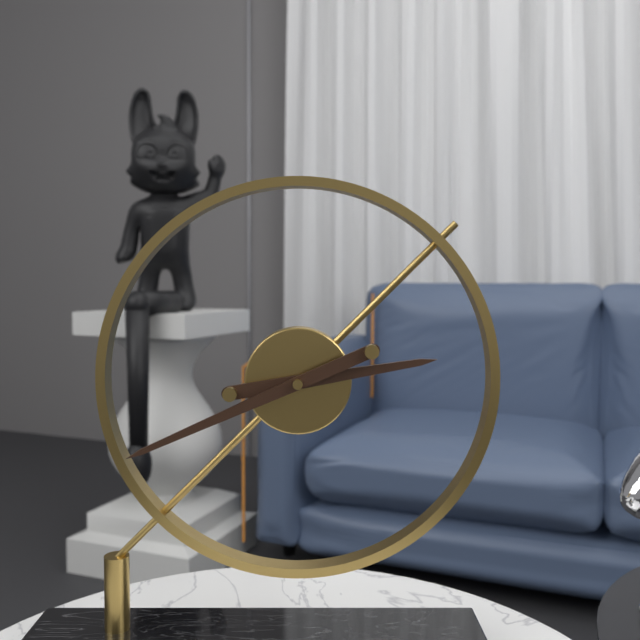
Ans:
2,41
